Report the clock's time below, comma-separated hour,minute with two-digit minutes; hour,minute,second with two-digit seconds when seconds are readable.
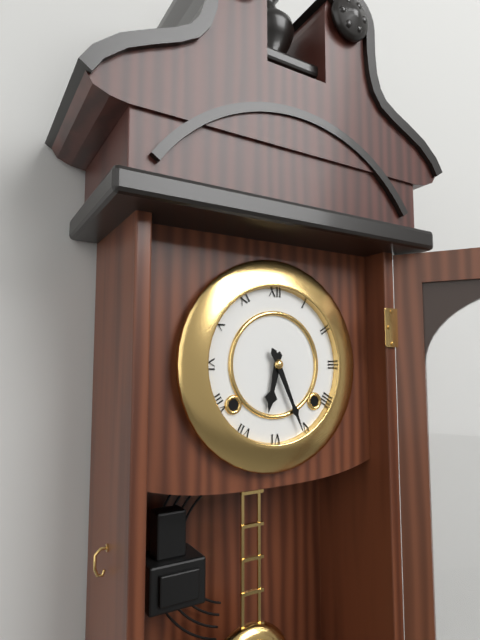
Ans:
6,26
